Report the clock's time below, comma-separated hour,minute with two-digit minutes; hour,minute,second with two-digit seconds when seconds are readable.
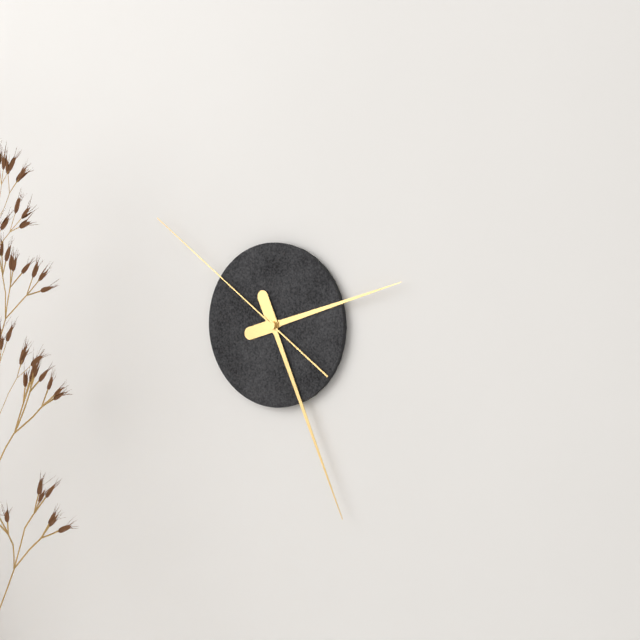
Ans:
2,26,51
